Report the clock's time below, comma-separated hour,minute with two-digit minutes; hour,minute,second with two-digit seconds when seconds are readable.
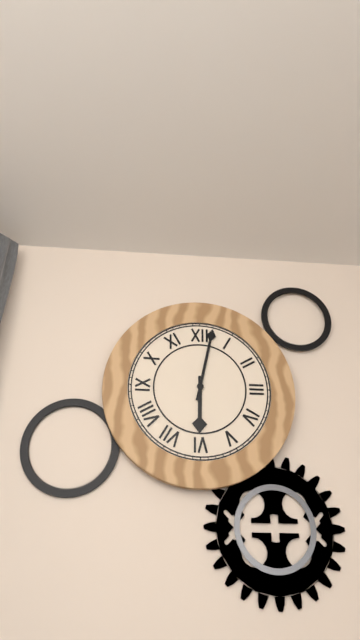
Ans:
6,02
